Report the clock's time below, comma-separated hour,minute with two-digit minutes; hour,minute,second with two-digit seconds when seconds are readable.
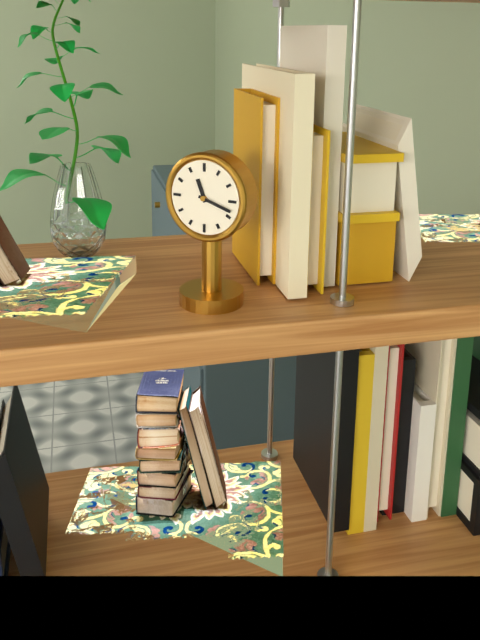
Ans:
11,18
